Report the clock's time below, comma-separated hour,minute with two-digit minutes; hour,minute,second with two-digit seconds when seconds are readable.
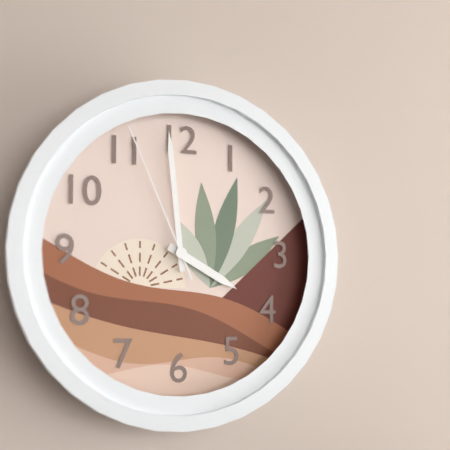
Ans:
3,59,56
